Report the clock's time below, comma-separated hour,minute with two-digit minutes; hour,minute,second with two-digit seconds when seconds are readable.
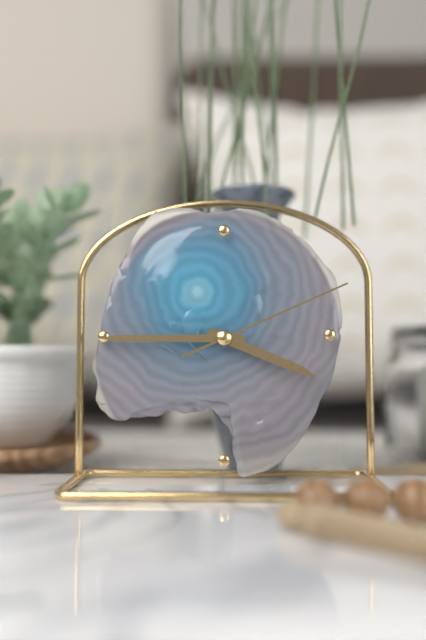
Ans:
3,45,11
